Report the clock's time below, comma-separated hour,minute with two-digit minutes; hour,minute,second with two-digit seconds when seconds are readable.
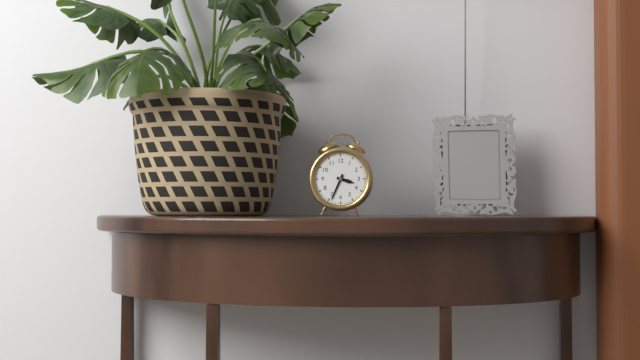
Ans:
3,34
